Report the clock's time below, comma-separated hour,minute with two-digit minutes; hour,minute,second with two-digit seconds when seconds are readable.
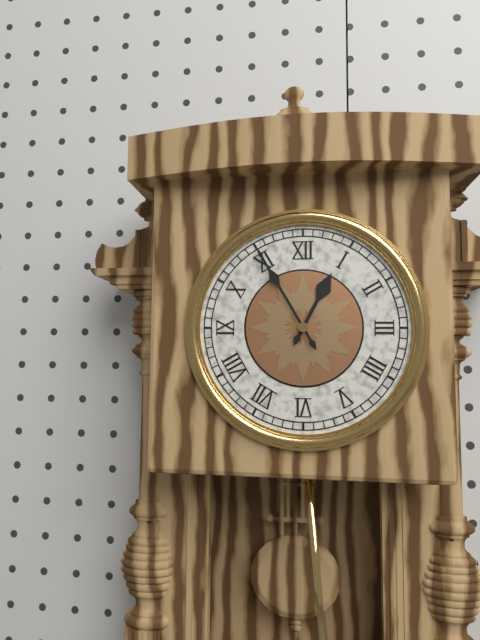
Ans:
12,55
